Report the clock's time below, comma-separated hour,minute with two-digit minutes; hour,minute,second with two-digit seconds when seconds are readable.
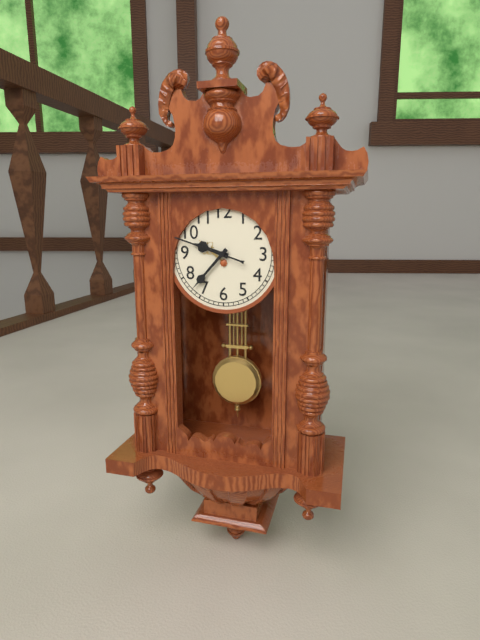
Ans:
9,37,48
